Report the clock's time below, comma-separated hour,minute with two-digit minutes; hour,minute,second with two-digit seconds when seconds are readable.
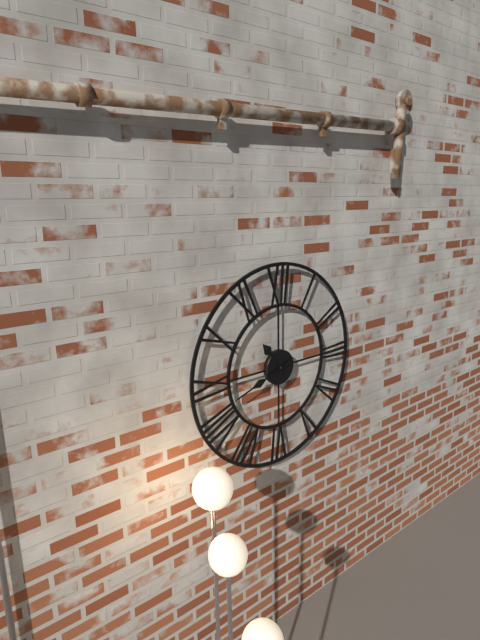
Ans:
10,42
